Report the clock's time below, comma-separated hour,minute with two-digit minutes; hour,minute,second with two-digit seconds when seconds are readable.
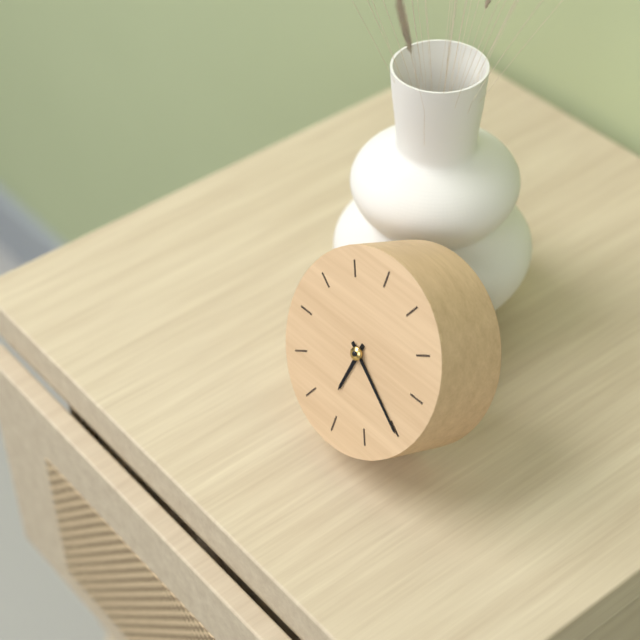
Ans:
6,20
